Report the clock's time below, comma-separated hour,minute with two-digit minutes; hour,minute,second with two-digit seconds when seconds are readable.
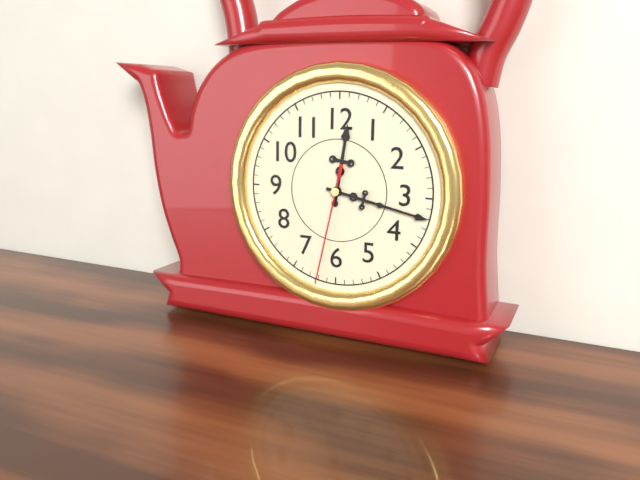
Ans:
12,17,32
